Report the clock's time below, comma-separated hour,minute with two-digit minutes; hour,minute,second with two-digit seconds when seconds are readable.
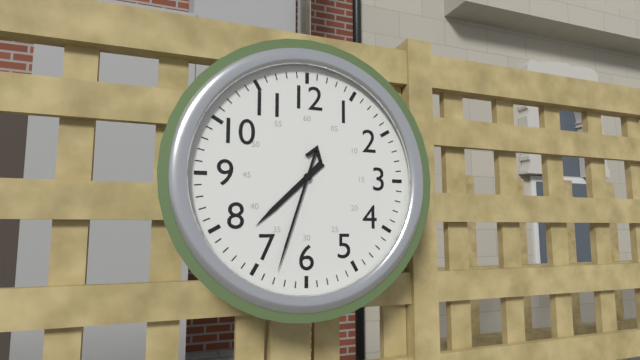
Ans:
7,33
